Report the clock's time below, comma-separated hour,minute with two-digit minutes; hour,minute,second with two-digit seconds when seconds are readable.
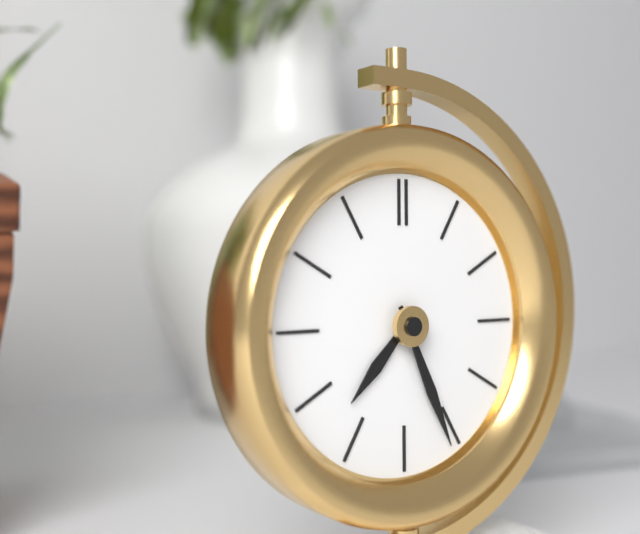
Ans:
7,26
